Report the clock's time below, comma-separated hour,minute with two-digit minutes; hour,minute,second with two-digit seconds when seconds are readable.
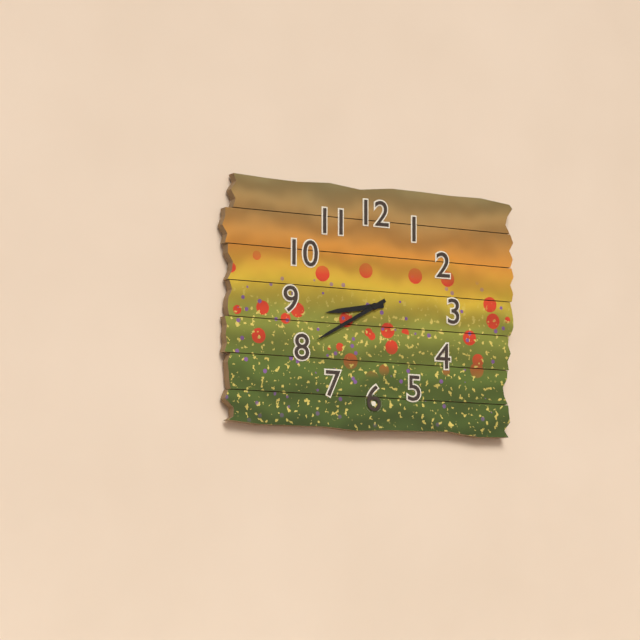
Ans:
8,40
